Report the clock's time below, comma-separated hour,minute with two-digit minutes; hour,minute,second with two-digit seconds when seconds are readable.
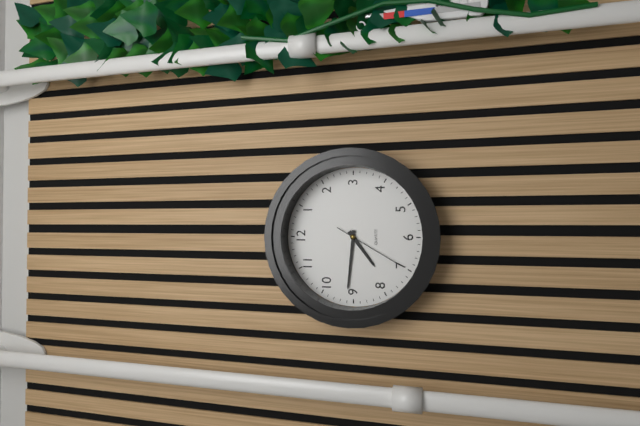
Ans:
7,46,35
